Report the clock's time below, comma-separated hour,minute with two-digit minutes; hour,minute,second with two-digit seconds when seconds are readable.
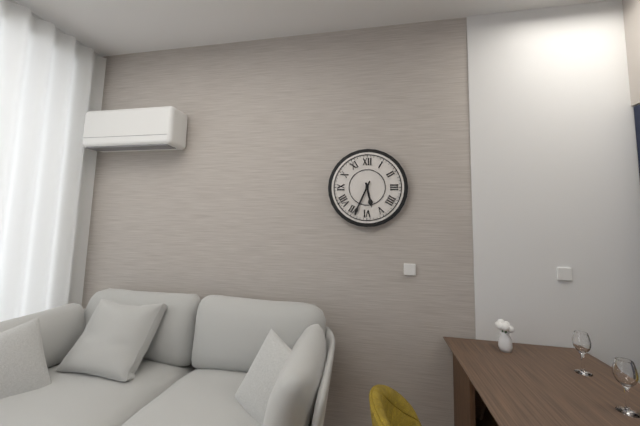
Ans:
5,34
